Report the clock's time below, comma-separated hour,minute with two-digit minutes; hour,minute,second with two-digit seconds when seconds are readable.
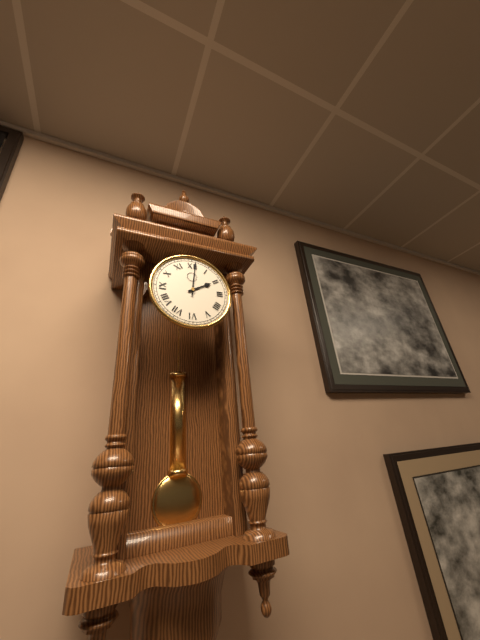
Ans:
2,01
